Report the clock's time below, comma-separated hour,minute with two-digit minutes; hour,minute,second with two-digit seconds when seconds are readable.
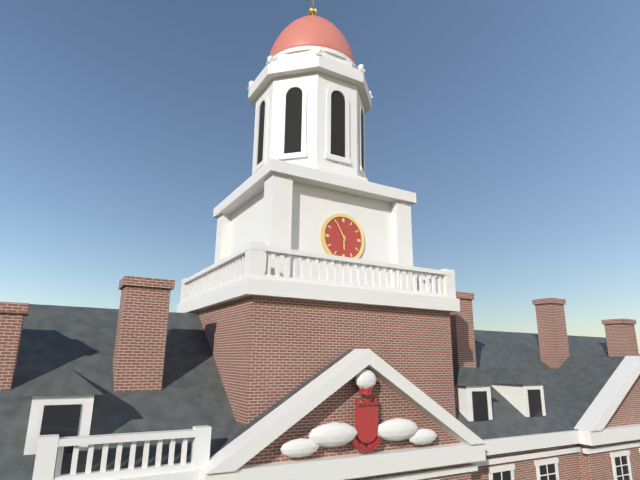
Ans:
5,55
